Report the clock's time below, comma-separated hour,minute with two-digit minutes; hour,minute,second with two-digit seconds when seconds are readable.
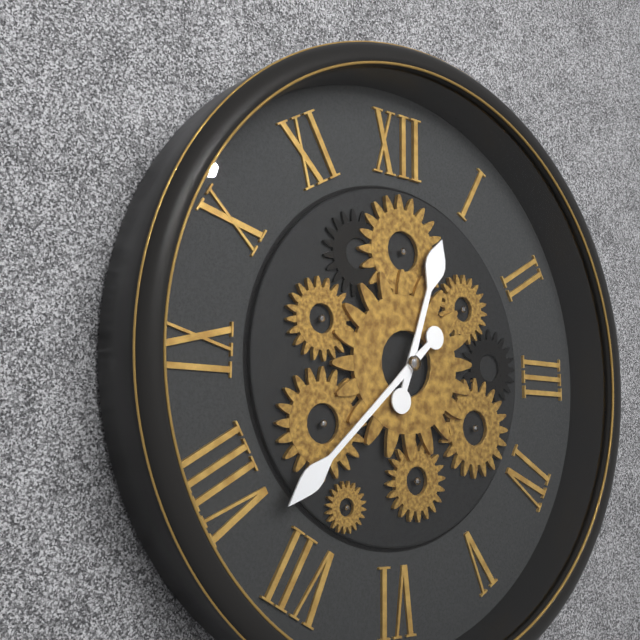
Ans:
12,38
